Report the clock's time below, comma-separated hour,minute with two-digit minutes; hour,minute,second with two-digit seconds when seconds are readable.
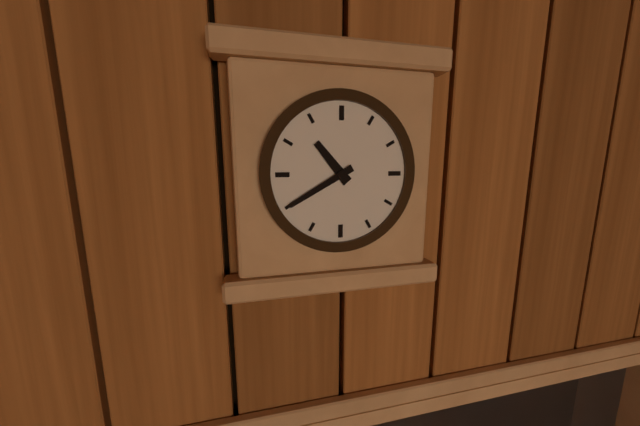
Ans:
10,40
